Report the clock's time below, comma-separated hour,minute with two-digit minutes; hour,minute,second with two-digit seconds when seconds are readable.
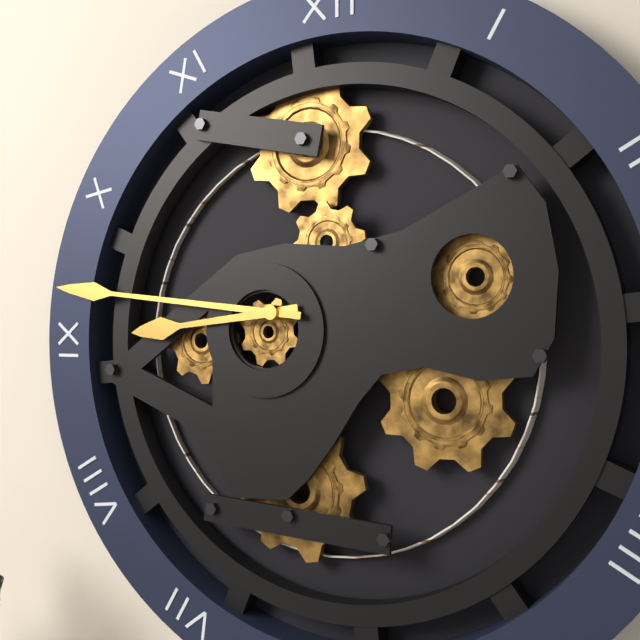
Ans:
8,46
